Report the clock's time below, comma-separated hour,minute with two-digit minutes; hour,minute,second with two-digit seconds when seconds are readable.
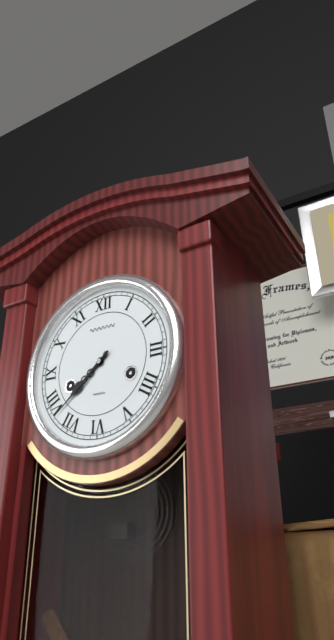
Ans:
7,38
